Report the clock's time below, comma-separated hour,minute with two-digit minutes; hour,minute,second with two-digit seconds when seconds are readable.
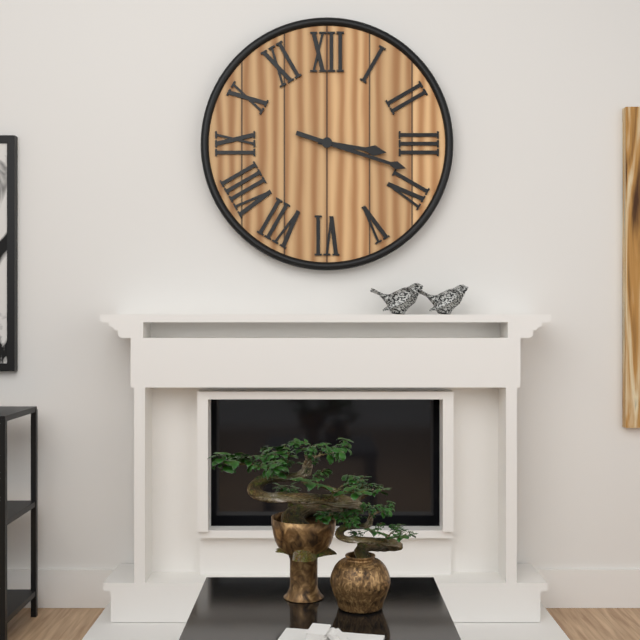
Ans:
3,18
